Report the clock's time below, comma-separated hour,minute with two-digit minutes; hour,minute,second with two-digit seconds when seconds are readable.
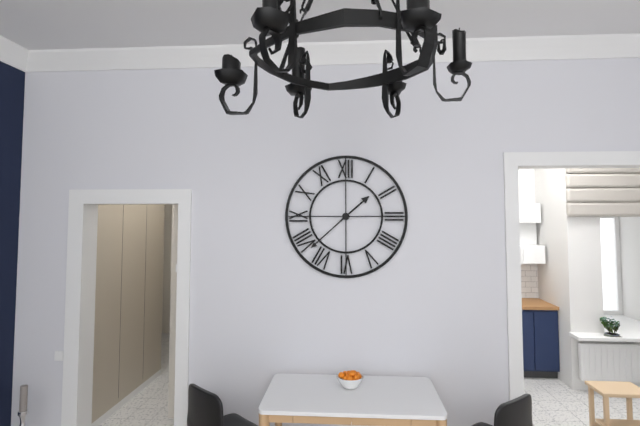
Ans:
1,38
